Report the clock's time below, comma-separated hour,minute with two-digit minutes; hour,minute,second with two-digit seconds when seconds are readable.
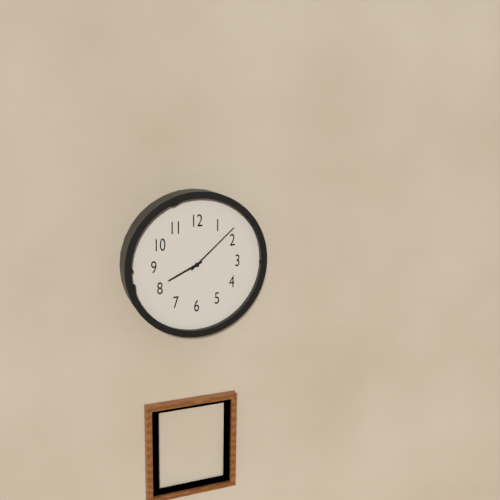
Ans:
8,08
